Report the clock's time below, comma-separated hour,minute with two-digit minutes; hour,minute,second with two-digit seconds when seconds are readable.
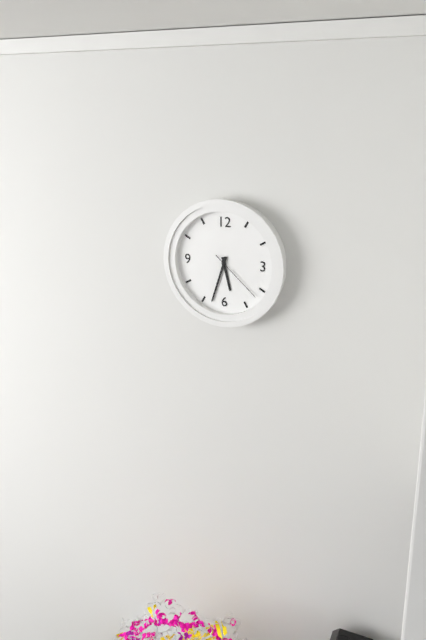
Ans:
5,33,22
